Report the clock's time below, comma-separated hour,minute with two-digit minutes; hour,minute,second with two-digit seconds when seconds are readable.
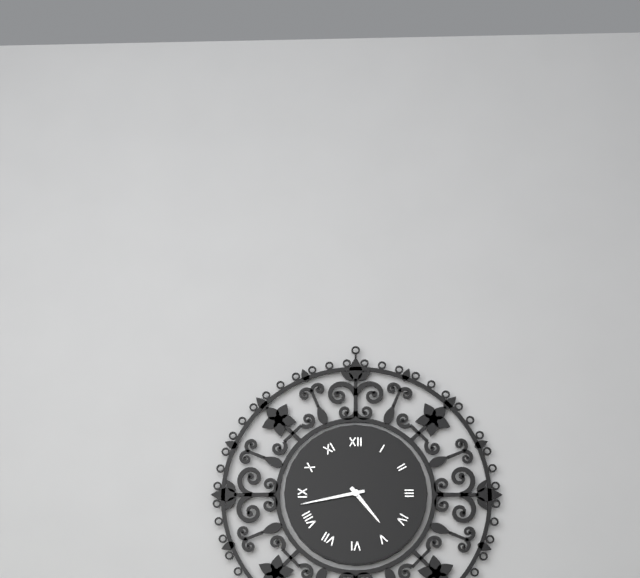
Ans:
4,43
